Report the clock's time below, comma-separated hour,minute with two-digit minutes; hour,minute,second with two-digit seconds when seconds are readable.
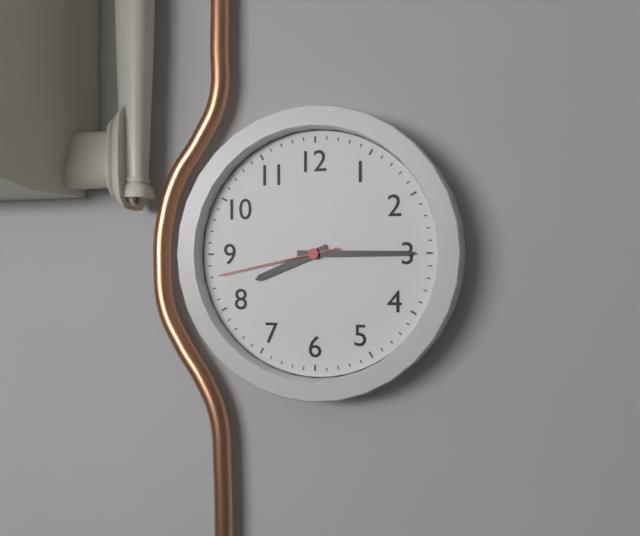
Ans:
8,15,43
